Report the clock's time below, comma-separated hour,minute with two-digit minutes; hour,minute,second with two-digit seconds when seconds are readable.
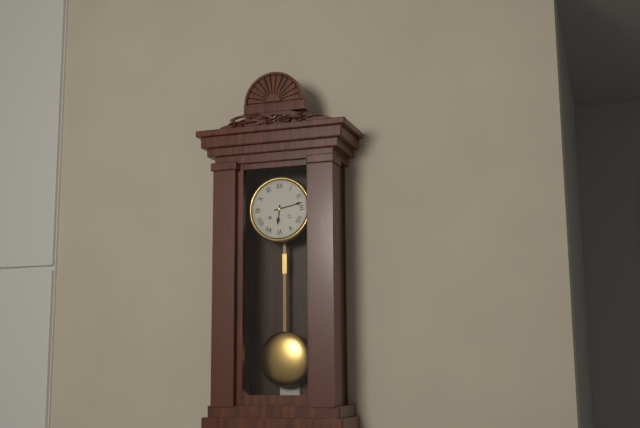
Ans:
6,13
